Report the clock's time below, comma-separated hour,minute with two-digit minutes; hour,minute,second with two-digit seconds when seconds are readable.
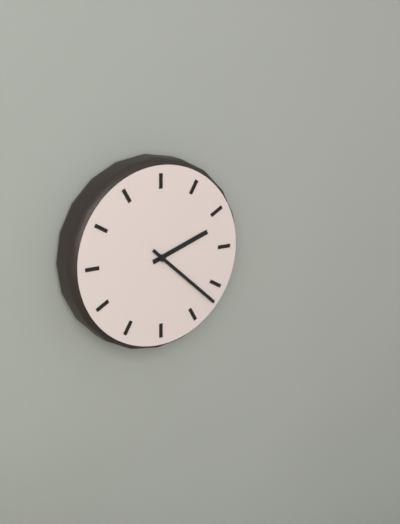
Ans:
2,22
